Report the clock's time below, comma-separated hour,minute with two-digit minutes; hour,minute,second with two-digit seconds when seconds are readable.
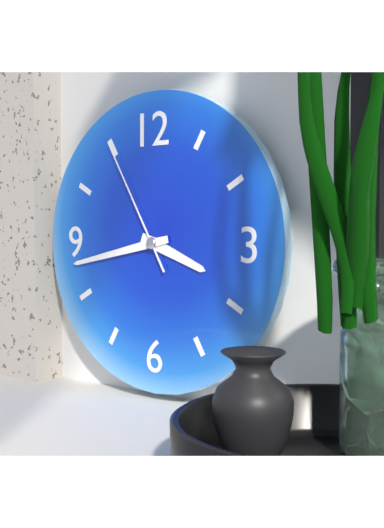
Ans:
3,43,55
